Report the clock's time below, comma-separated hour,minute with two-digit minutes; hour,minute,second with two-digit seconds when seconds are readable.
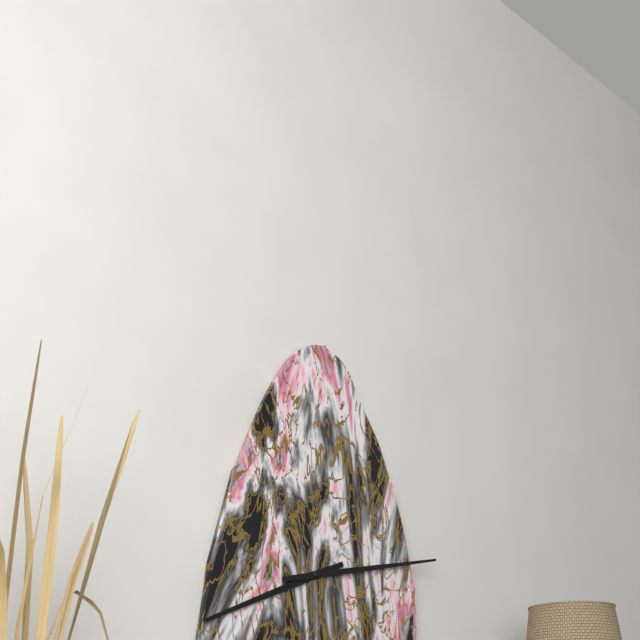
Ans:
8,13
